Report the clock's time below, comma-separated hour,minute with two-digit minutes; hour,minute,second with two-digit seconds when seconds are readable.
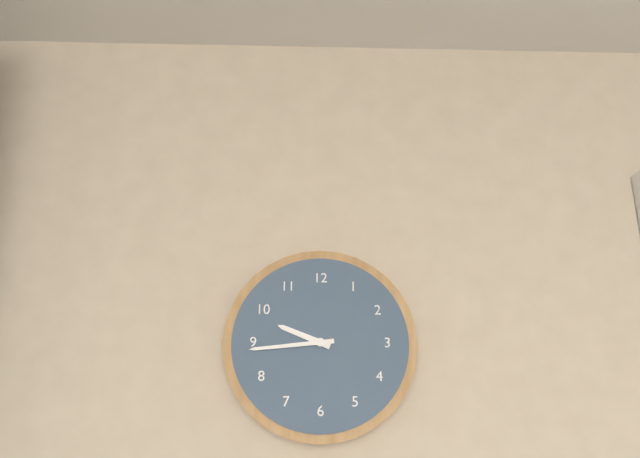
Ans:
9,44
